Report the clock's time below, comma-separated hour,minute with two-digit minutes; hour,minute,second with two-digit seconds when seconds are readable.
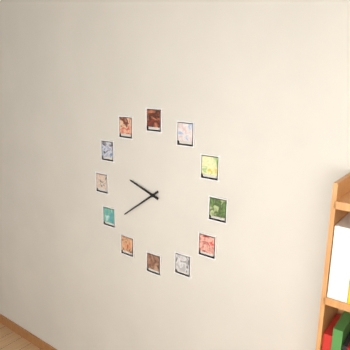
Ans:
9,39
